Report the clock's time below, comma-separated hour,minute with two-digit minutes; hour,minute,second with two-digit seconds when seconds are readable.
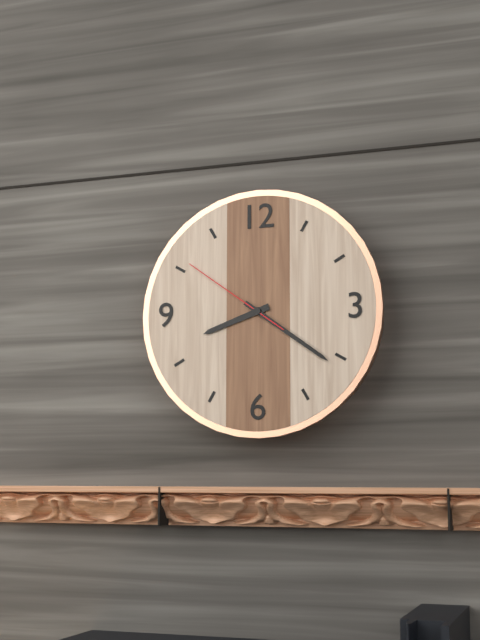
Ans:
8,21,51
